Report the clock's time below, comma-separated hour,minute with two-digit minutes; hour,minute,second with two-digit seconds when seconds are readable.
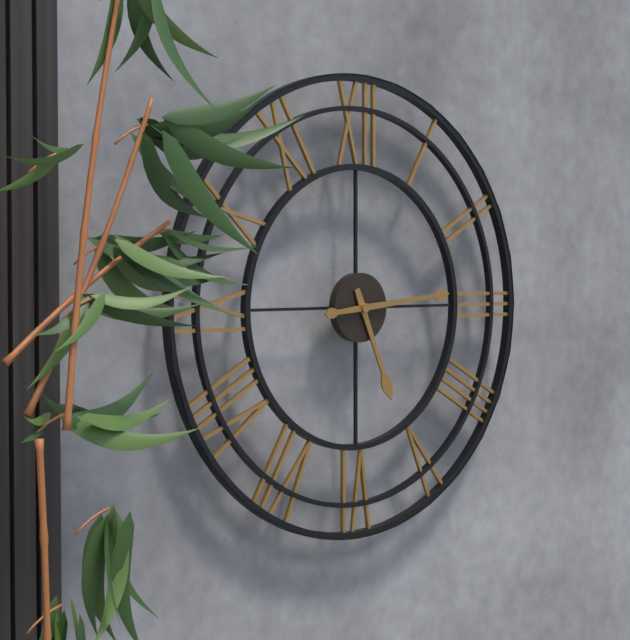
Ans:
5,14
